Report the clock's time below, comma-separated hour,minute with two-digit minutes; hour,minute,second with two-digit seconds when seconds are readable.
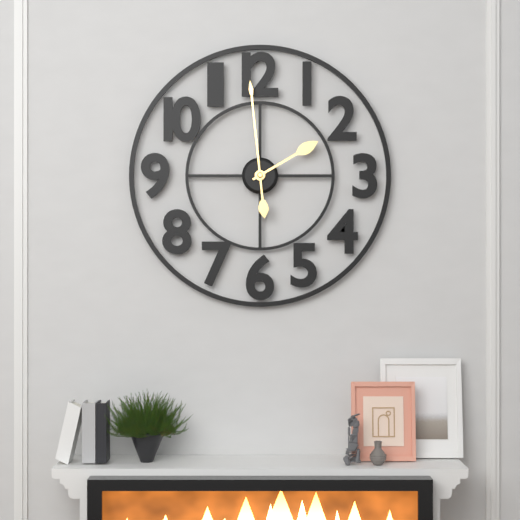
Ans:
1,59
